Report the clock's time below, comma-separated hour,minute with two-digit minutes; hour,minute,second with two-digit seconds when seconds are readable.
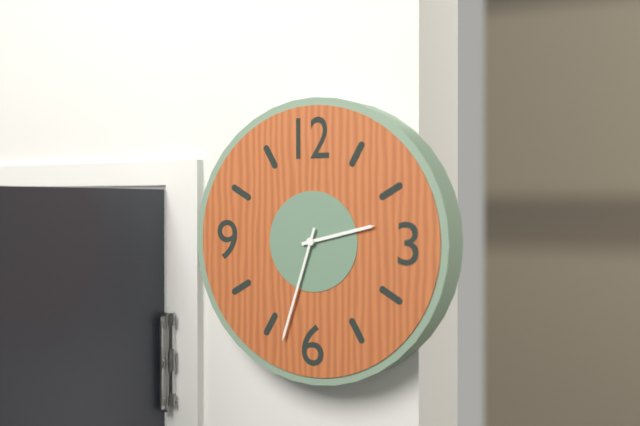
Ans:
2,33
